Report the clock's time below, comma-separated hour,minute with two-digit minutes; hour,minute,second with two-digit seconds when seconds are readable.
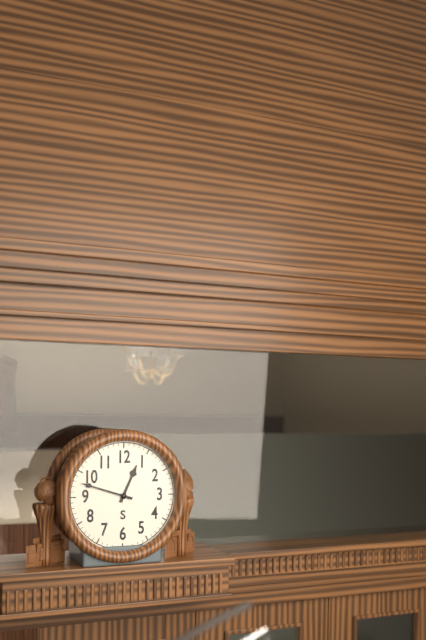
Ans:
12,48
